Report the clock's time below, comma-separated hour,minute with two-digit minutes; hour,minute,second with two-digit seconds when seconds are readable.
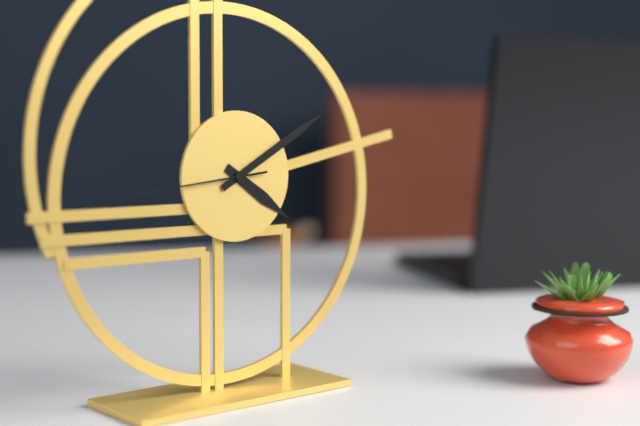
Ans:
4,10,44
